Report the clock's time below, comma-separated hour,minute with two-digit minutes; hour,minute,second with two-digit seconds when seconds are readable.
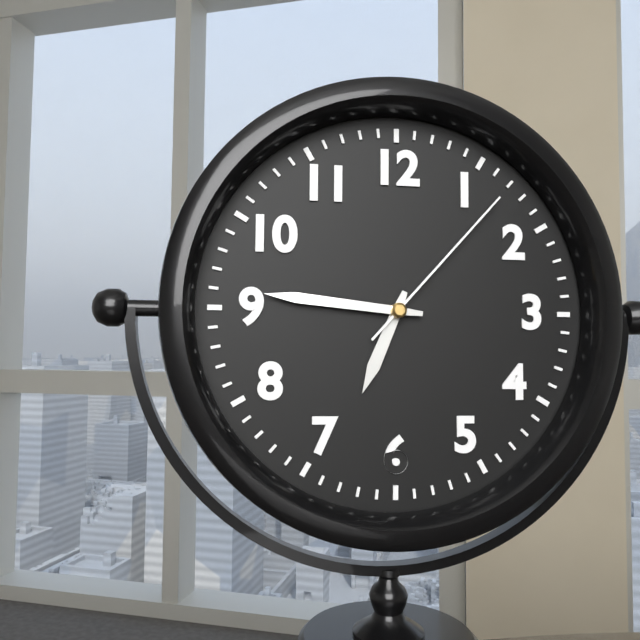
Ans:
6,46,07
